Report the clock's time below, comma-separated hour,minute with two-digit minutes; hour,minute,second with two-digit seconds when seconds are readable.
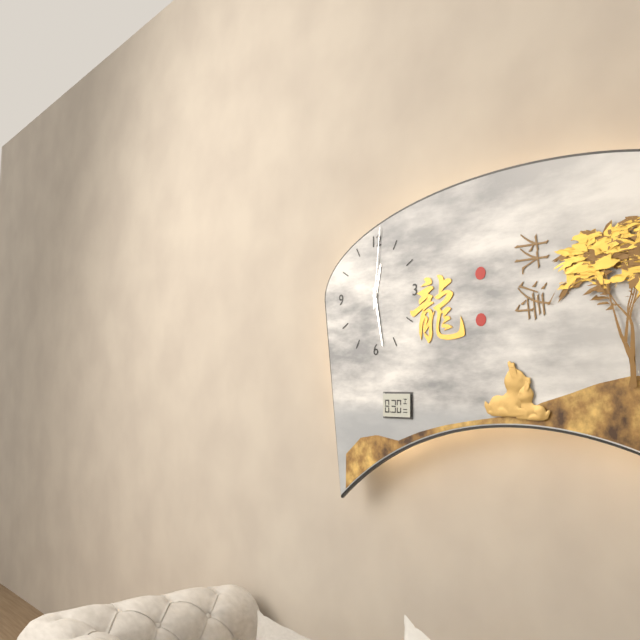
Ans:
12,28,01
